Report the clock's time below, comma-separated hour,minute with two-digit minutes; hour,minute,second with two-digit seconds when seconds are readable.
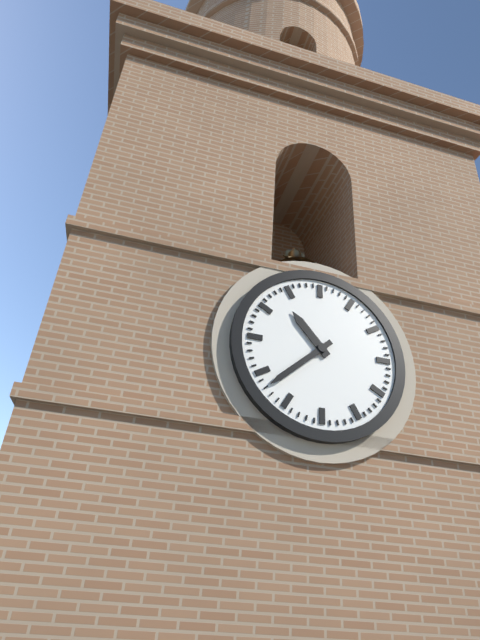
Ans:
10,38
